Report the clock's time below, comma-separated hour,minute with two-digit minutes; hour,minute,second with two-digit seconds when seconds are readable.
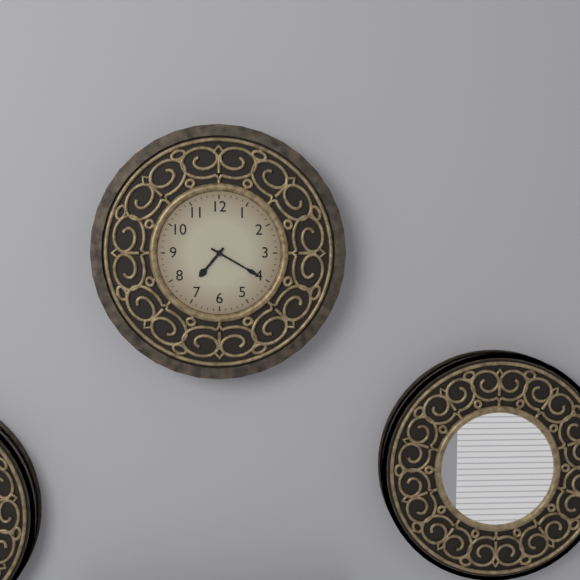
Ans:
7,20
